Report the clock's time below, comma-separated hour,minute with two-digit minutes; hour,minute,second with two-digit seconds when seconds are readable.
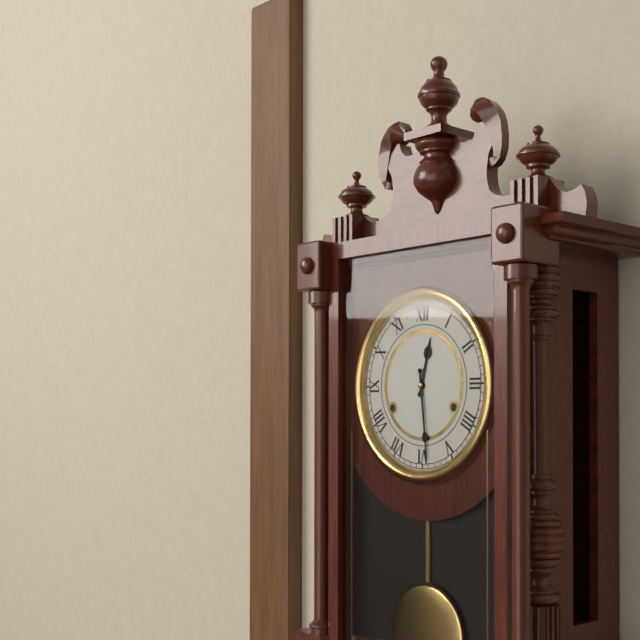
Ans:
12,29
